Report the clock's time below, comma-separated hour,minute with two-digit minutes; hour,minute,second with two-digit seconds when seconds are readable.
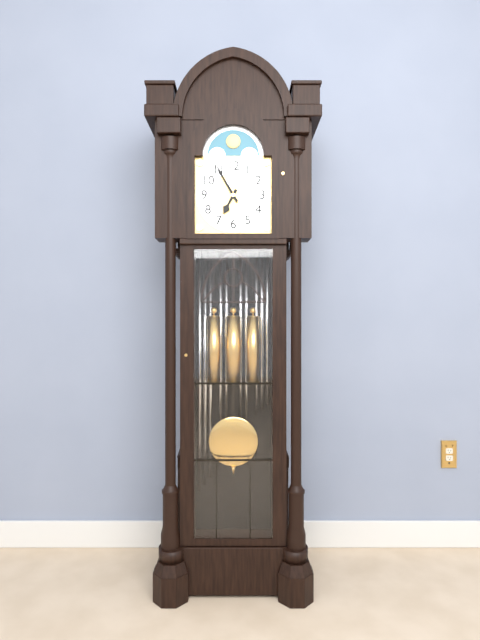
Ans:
6,55
